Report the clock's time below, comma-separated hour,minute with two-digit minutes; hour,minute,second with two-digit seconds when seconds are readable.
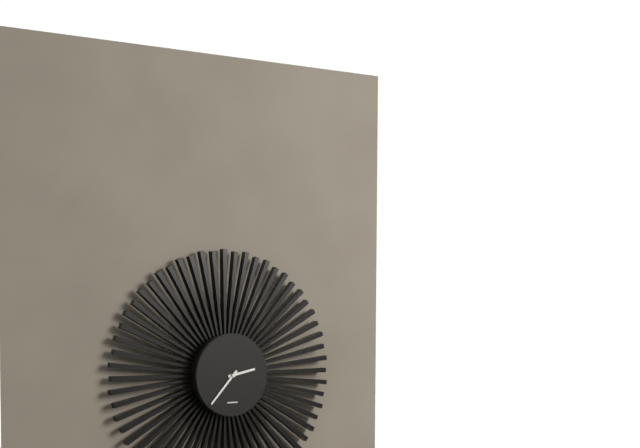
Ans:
2,37
